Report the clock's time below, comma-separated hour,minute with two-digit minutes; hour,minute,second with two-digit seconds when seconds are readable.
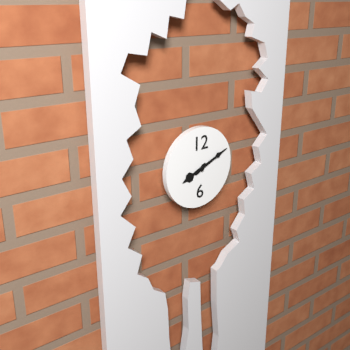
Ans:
8,11
